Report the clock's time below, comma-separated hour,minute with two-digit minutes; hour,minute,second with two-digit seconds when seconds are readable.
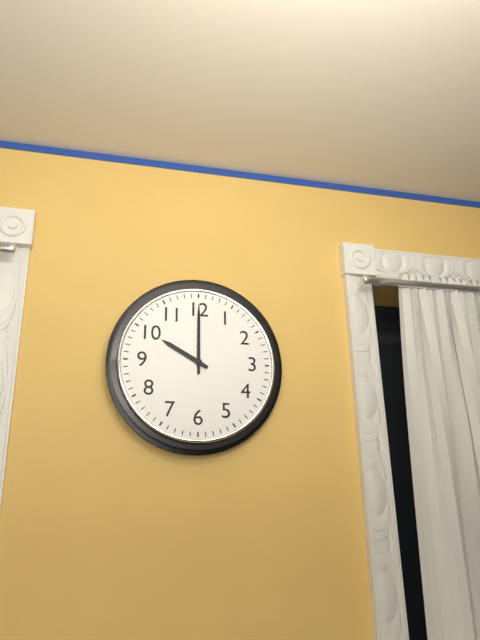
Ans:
10,00
